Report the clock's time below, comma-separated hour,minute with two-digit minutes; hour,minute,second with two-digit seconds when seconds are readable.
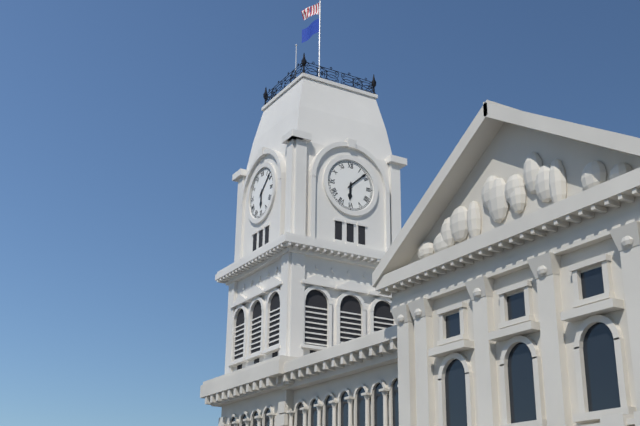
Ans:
6,08
